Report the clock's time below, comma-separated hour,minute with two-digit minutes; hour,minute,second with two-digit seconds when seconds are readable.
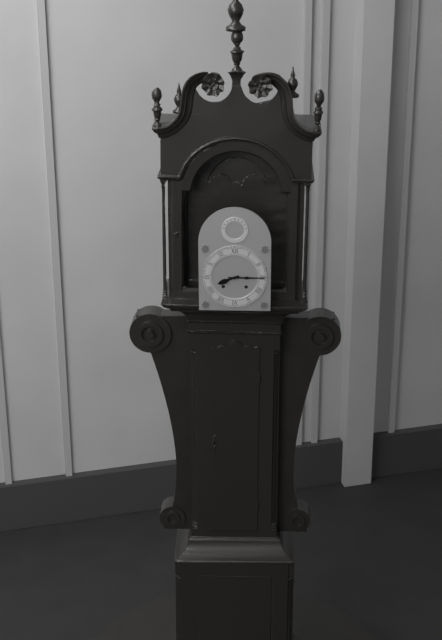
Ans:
8,15
